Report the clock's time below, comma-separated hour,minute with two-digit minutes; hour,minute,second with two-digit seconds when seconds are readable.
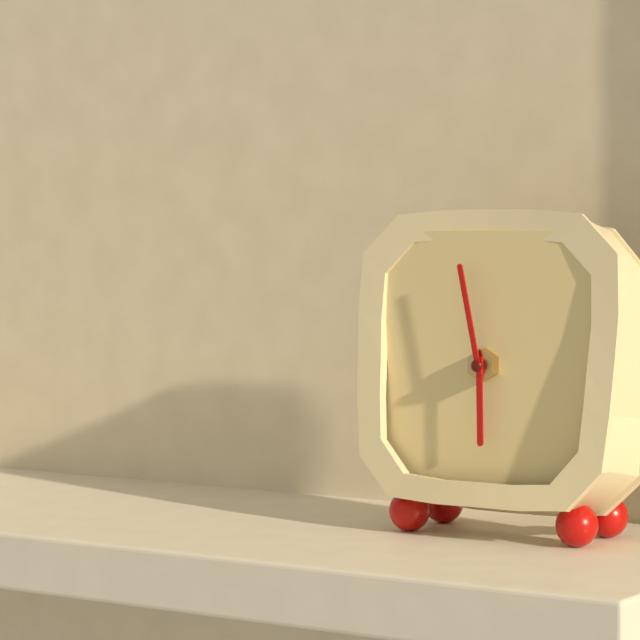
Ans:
5,58
